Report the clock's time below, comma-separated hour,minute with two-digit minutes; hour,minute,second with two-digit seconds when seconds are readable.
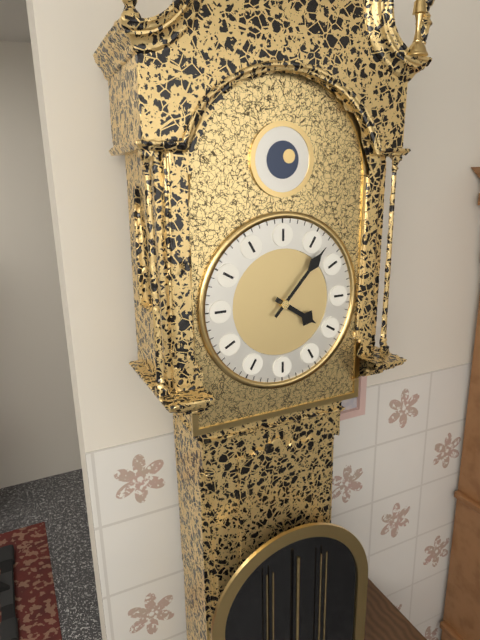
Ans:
4,07
